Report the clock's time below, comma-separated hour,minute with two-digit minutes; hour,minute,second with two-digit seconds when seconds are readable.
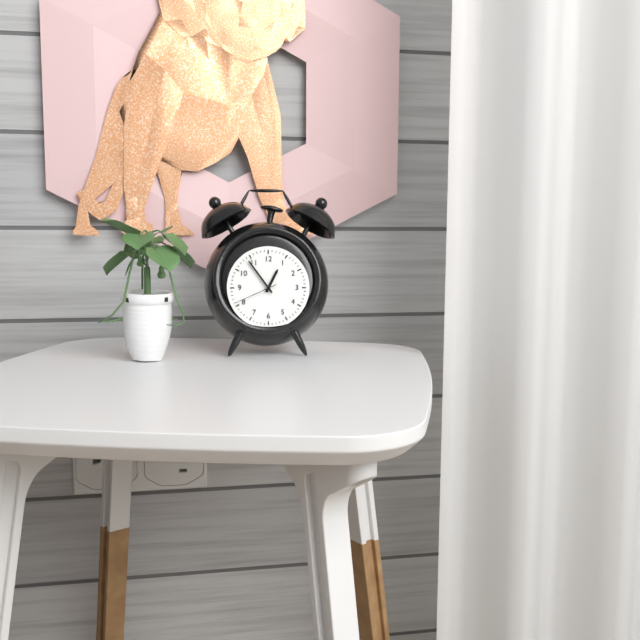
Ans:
12,54
